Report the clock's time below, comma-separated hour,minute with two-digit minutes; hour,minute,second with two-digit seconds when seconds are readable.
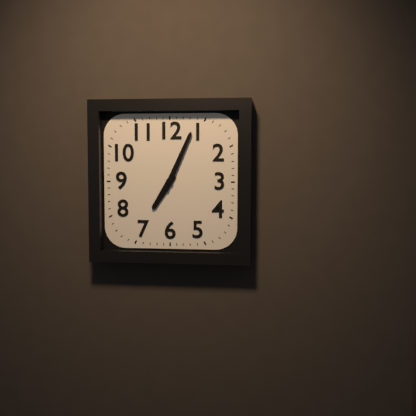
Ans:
7,04
